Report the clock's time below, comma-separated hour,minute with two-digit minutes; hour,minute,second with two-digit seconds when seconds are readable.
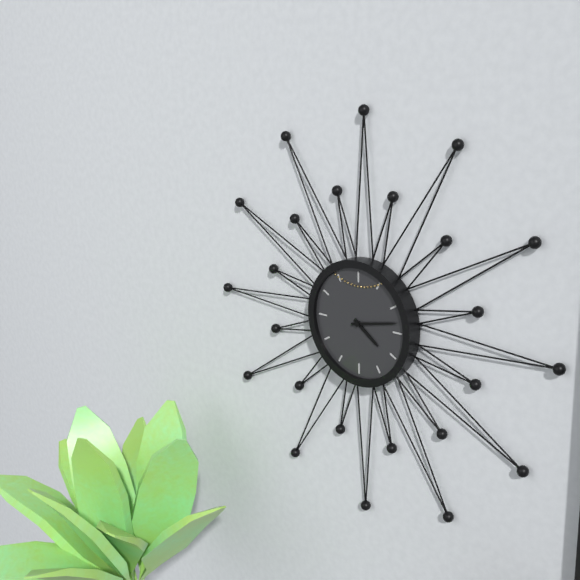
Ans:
4,13
